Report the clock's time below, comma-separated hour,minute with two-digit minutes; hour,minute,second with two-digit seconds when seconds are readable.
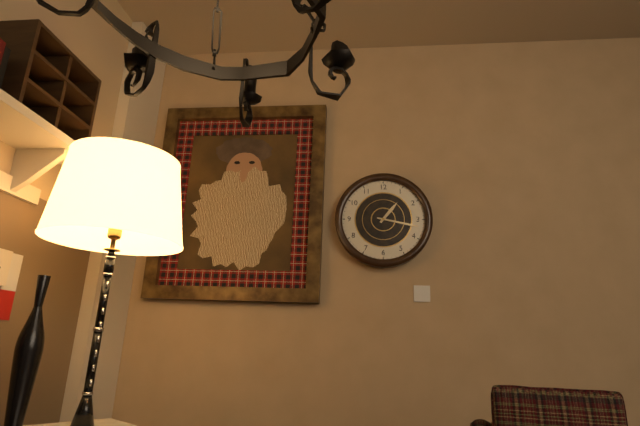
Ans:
1,17
